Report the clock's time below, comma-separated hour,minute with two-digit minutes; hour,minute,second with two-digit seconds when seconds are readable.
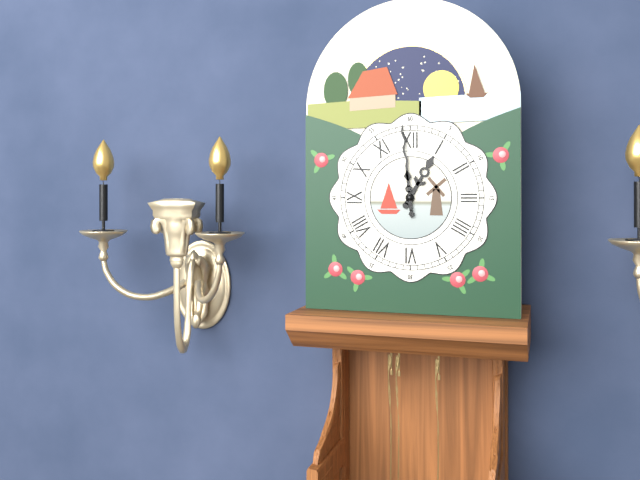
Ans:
12,59
